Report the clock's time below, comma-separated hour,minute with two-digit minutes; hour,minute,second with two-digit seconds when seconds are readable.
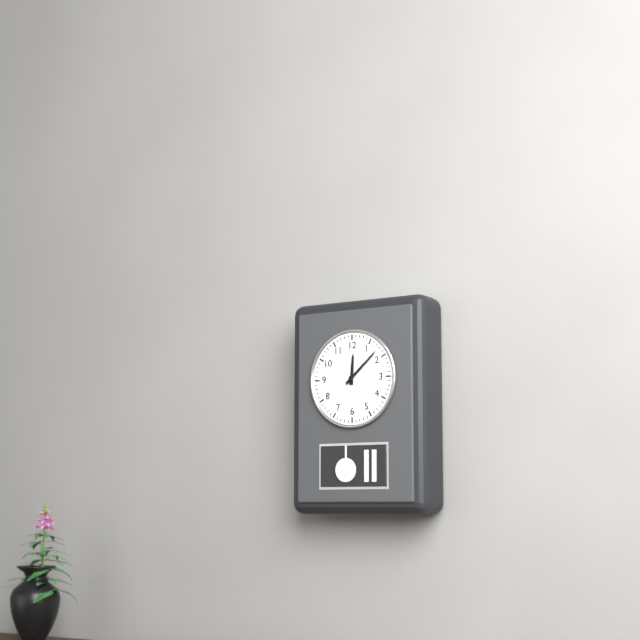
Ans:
12,08
